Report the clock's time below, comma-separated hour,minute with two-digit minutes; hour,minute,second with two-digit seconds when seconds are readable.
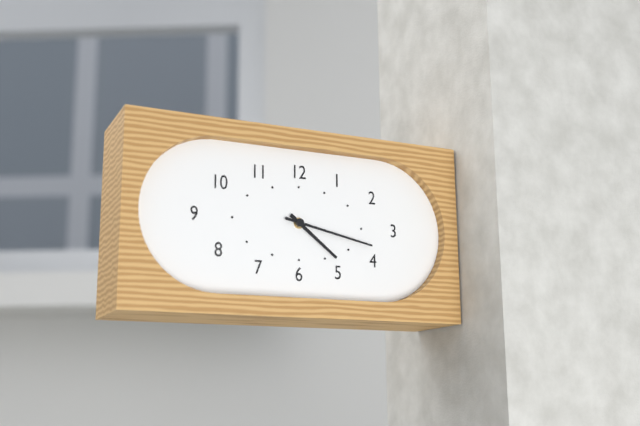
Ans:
4,17
